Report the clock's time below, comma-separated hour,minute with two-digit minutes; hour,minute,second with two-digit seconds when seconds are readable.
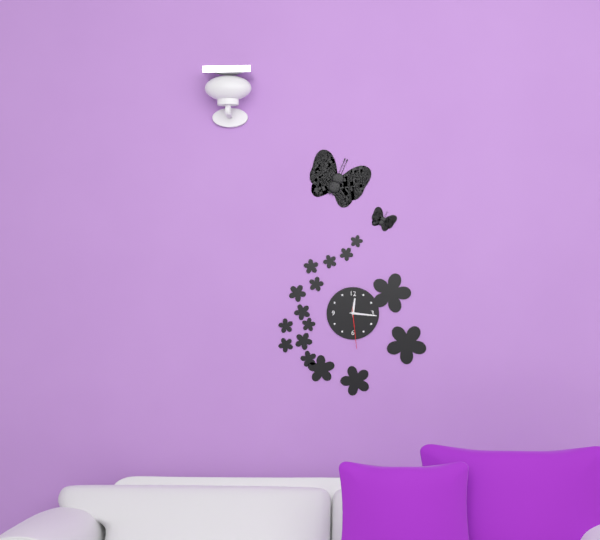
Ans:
12,16
